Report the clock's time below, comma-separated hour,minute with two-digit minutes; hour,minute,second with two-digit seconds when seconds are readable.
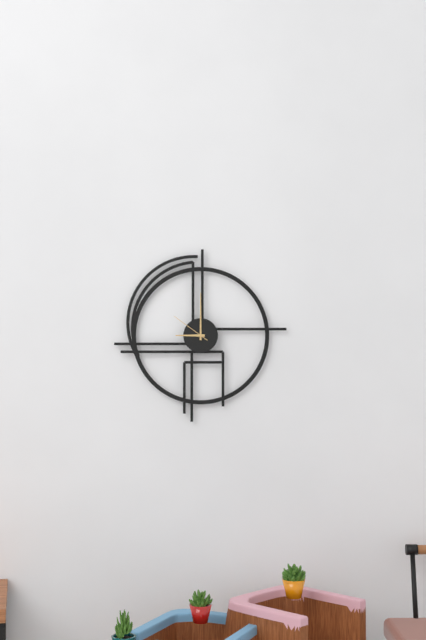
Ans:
9,00
